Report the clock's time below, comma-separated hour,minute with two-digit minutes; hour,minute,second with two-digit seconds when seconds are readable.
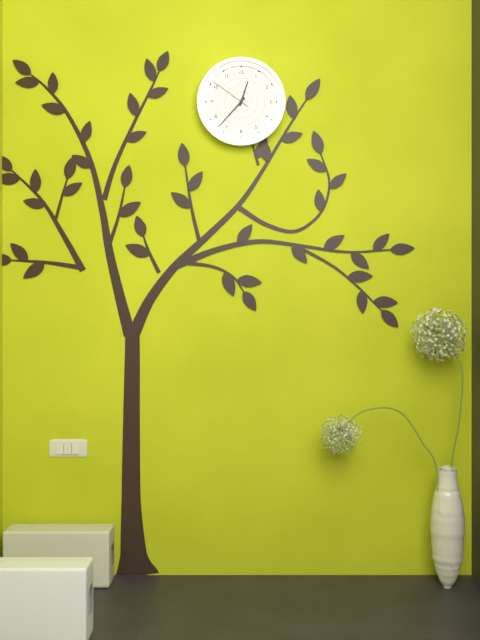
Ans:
12,37
